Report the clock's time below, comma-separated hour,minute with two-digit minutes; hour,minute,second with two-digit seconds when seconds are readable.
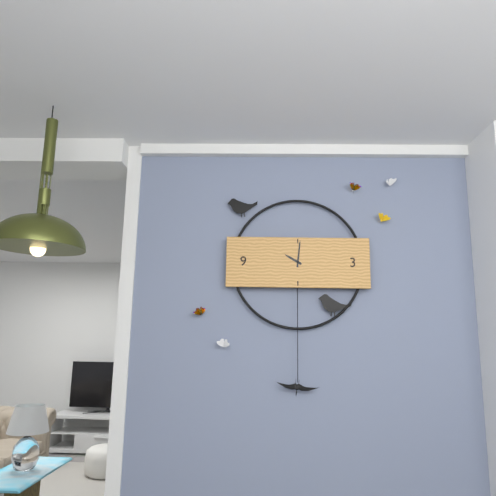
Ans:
10,01
